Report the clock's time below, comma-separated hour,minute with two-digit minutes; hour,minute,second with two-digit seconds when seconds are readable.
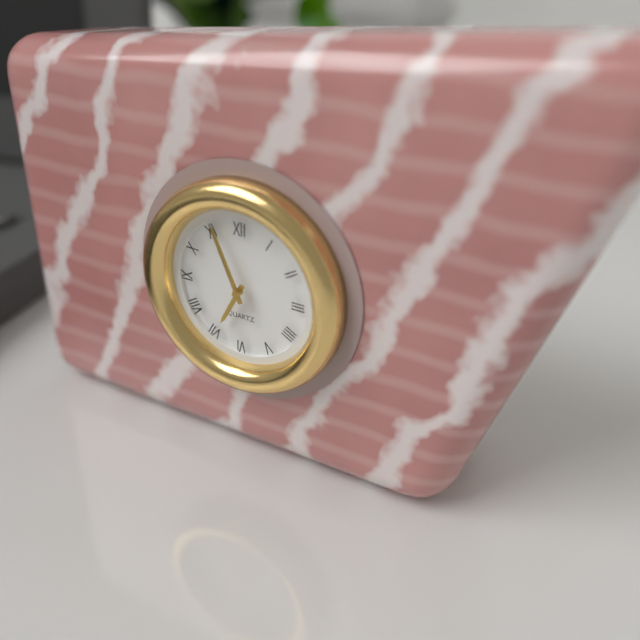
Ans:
6,56
